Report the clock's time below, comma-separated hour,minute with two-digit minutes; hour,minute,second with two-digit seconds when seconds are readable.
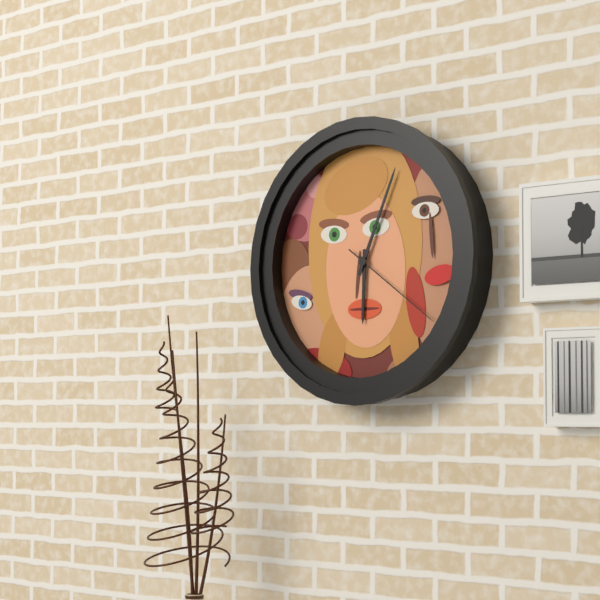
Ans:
6,04,21
